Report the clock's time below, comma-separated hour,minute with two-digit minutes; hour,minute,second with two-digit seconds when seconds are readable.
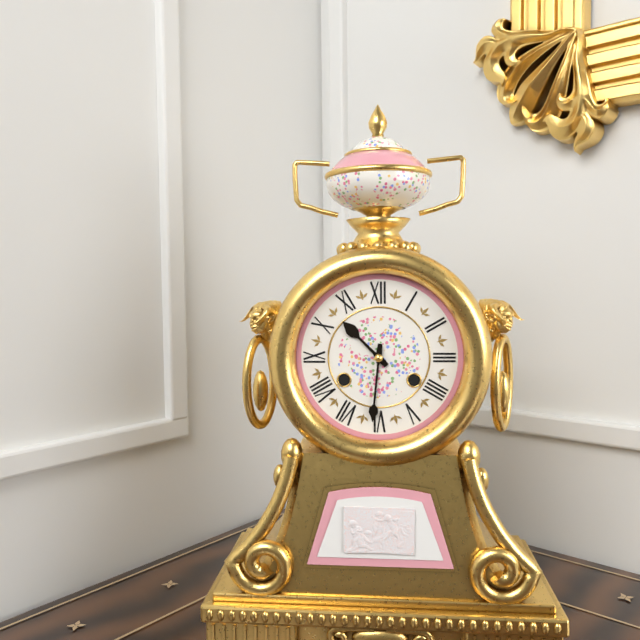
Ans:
10,31
